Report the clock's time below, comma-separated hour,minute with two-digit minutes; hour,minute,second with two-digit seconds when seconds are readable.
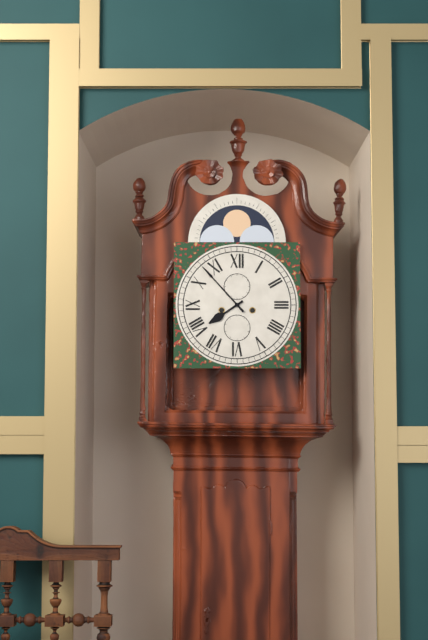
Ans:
7,53
